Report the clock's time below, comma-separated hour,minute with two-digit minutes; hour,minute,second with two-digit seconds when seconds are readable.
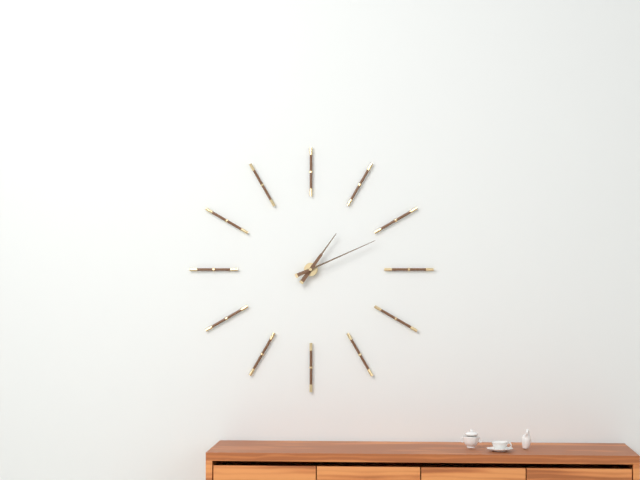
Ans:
1,11
